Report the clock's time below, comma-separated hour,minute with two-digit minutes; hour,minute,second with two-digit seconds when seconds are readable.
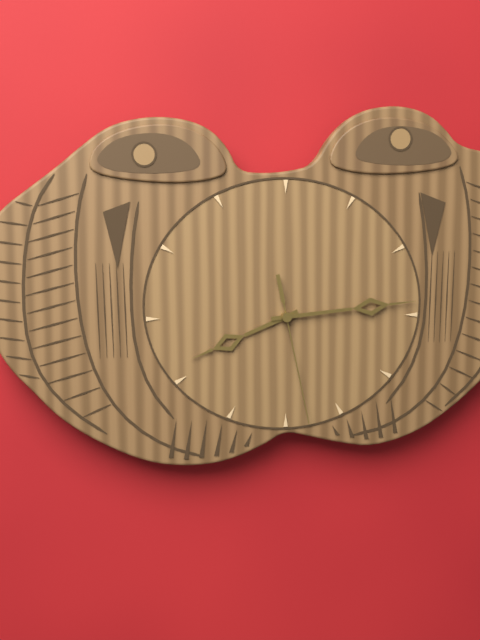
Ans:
8,14,28
